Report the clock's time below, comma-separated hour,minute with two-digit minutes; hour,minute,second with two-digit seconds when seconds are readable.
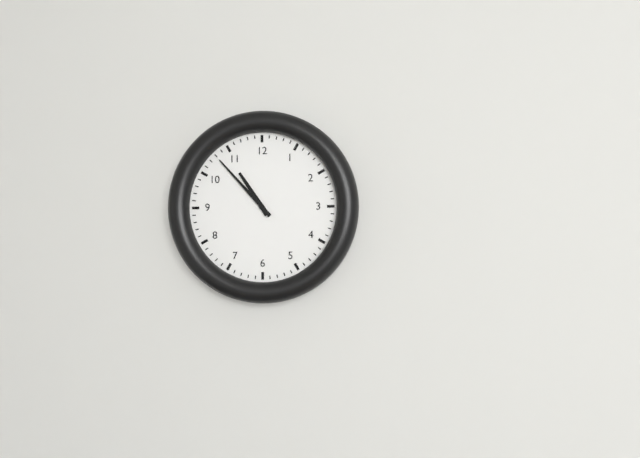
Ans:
10,53
